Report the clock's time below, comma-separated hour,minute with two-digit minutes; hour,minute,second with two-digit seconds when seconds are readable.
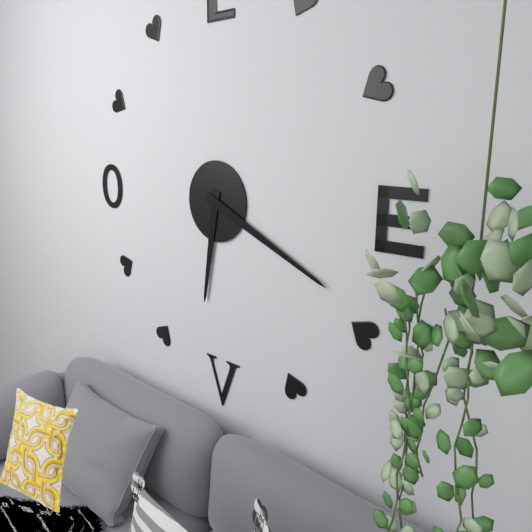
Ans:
6,19
